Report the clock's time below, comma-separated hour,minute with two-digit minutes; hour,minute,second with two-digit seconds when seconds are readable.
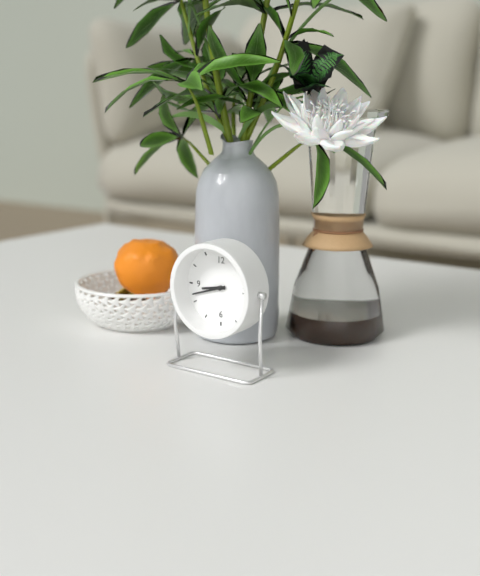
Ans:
8,42
